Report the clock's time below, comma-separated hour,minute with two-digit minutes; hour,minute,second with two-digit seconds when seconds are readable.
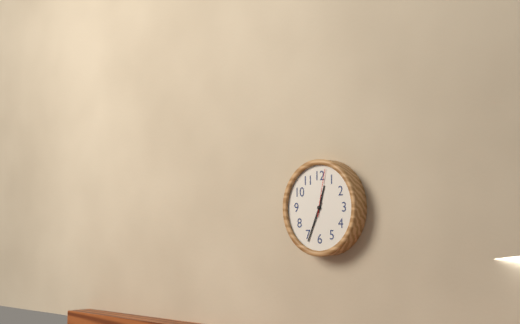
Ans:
12,34
